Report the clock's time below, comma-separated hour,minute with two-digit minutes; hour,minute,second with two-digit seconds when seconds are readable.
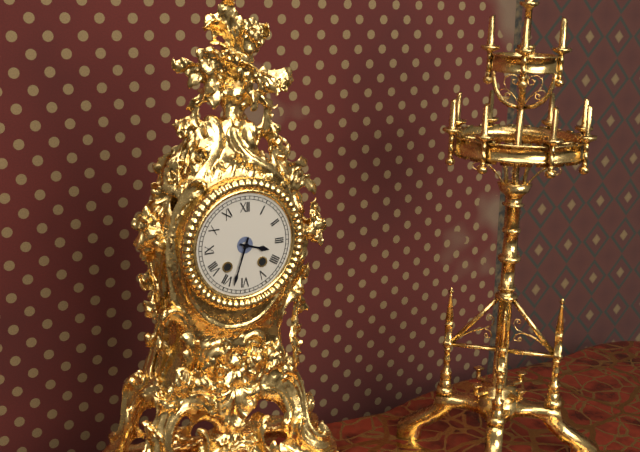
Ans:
3,33
